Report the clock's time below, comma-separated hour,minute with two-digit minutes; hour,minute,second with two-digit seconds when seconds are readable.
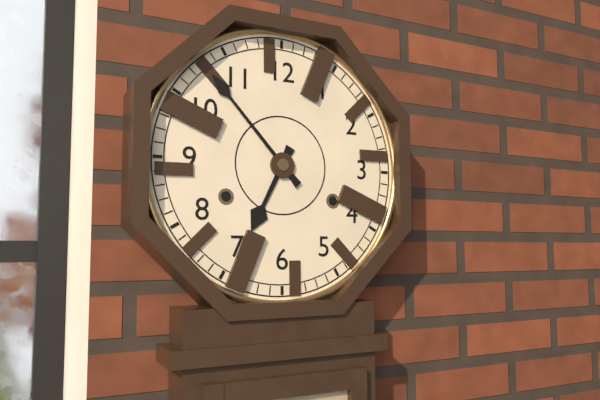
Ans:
6,53
